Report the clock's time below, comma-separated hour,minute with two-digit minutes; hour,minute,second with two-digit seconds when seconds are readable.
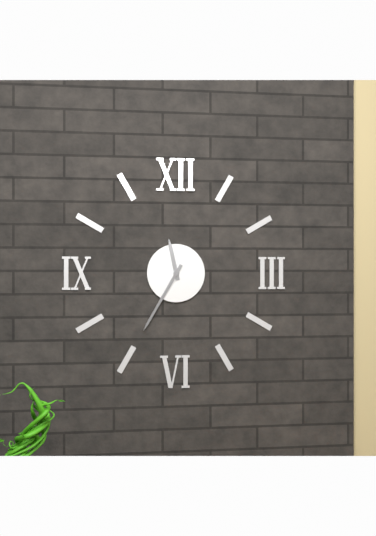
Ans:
11,35
